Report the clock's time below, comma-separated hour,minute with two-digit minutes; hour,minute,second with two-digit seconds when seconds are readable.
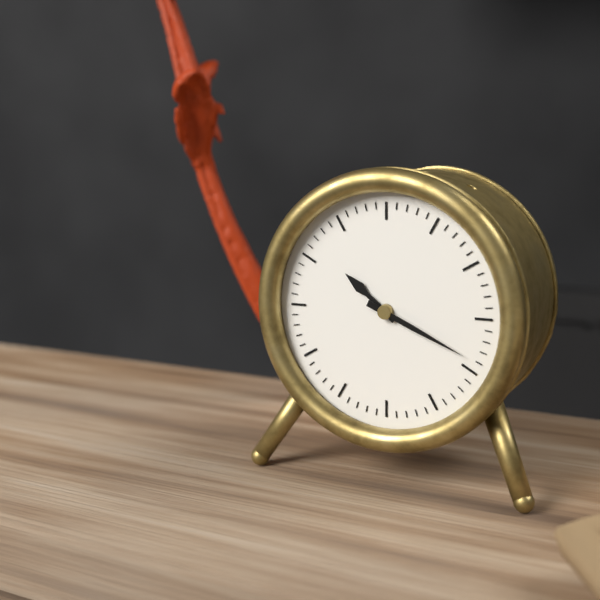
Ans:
10,19
